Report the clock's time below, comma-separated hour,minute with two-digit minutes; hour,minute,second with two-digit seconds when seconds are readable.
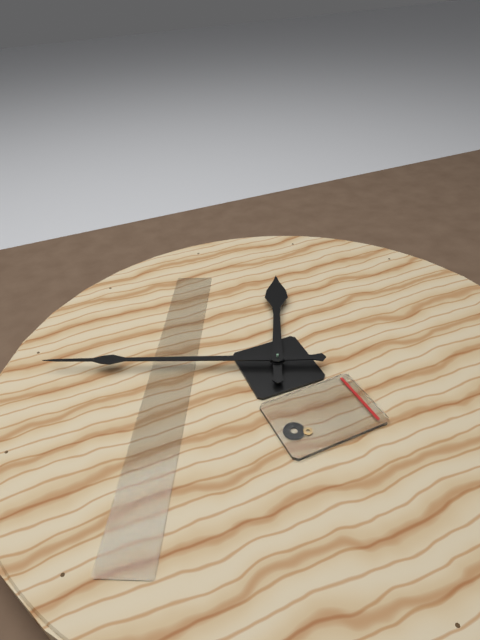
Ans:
12,49
